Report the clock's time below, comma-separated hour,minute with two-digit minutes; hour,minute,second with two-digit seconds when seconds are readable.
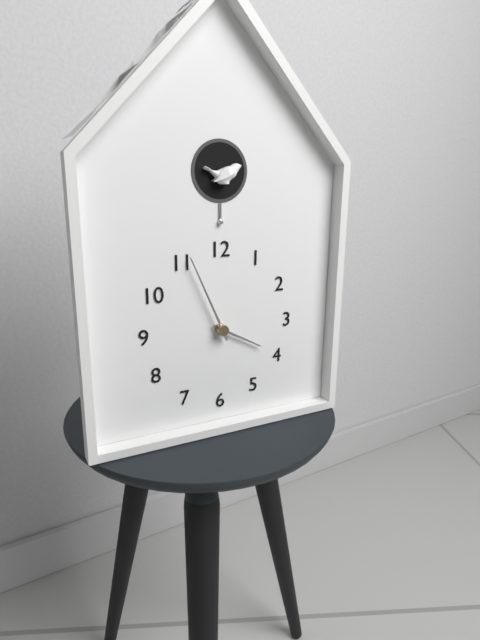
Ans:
3,56
